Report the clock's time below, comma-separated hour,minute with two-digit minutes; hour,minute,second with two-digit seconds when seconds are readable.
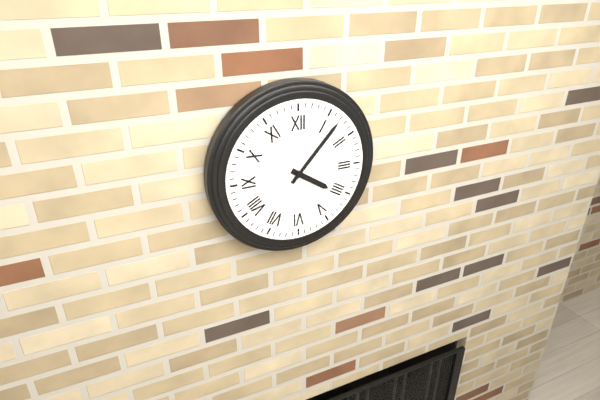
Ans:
4,07
